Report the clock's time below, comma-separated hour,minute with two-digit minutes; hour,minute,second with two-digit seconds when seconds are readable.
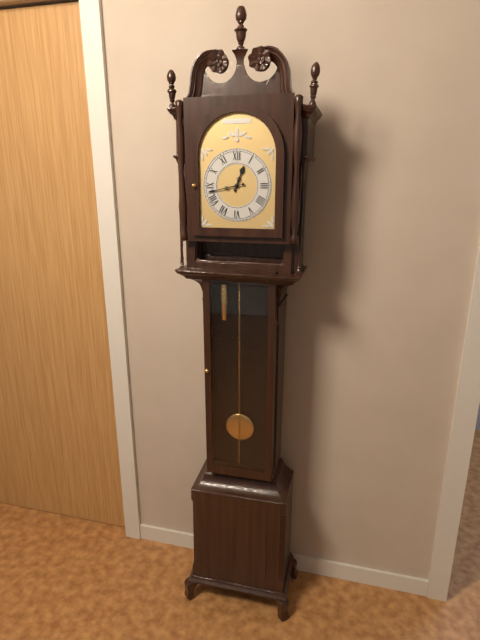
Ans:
12,43
